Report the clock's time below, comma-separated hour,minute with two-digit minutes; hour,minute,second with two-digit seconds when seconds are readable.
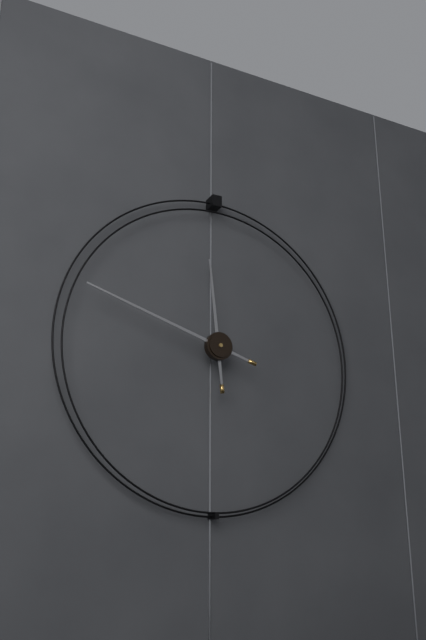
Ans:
11,48
